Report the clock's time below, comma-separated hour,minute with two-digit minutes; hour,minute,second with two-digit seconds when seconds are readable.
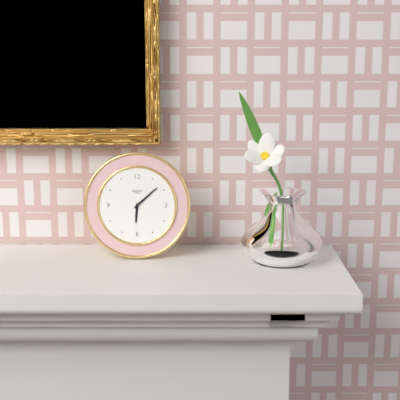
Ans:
6,08
